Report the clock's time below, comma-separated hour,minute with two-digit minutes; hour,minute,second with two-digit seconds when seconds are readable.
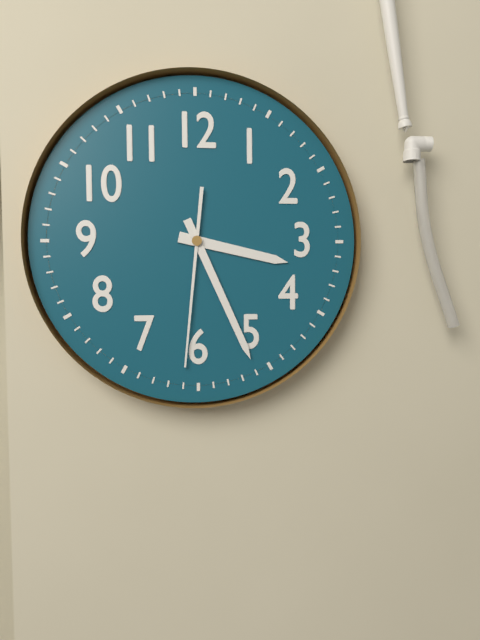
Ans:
3,26,31
